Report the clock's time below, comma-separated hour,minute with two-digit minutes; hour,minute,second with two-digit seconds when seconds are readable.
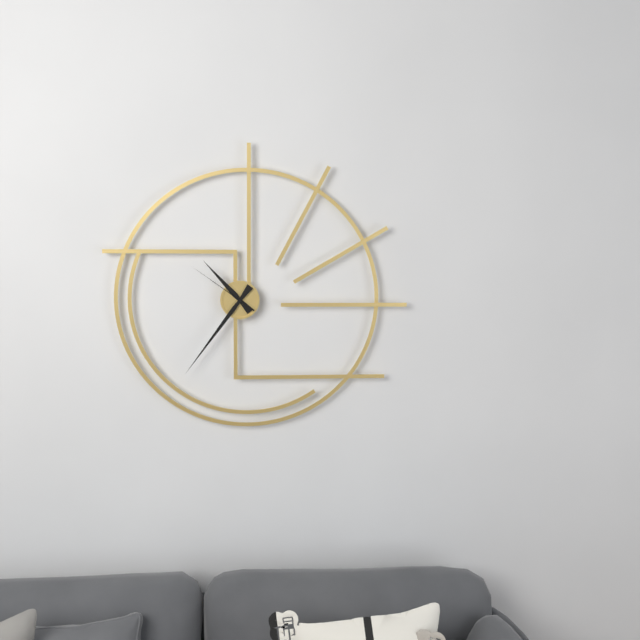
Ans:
10,36,51
